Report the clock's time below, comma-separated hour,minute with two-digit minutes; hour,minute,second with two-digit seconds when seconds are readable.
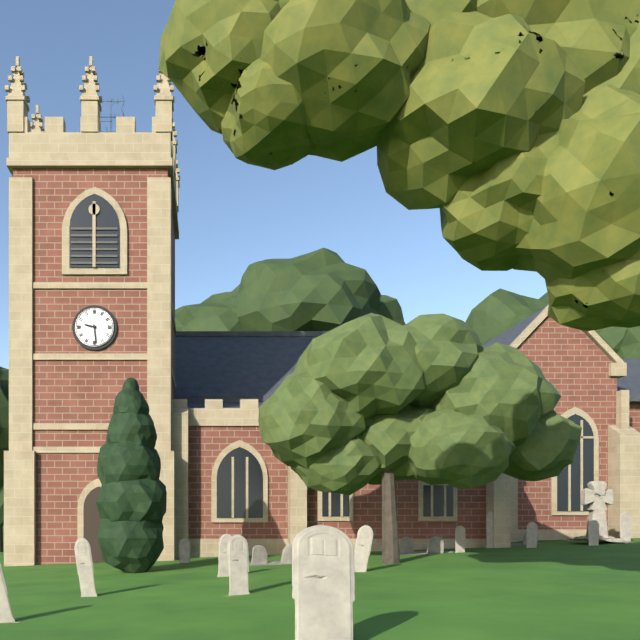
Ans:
9,29
